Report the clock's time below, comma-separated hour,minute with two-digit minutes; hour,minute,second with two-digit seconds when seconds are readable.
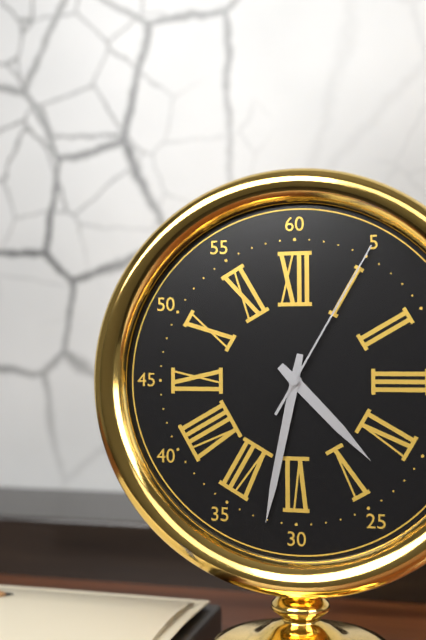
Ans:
4,32,05
